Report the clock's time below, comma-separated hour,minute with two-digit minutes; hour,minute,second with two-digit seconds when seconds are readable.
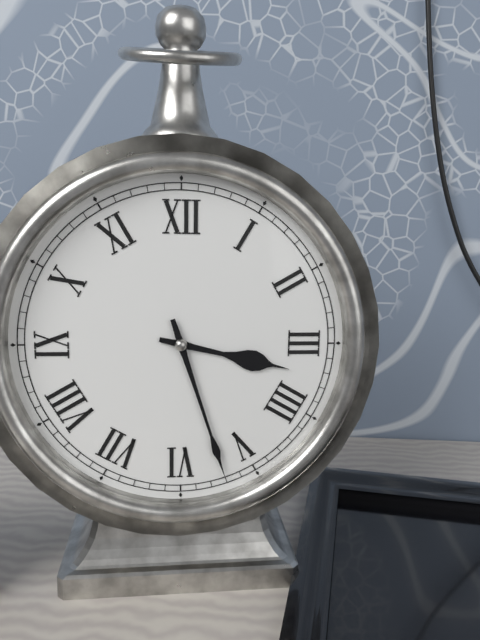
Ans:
3,27
